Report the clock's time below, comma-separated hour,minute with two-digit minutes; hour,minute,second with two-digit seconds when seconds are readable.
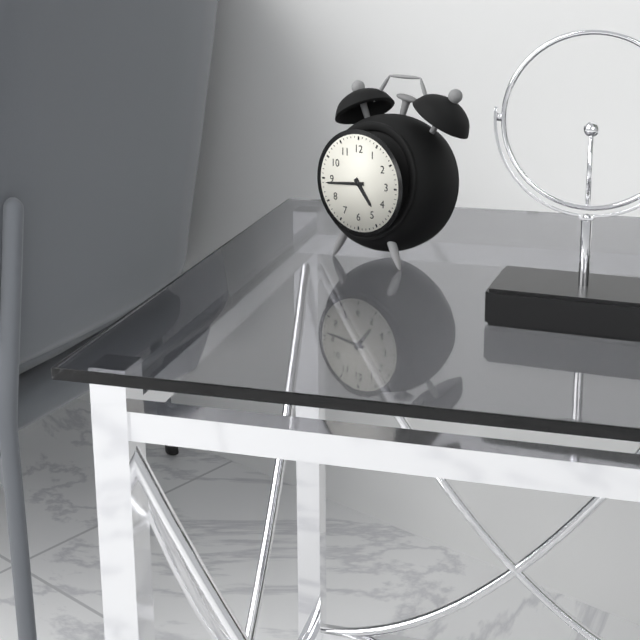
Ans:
4,44
